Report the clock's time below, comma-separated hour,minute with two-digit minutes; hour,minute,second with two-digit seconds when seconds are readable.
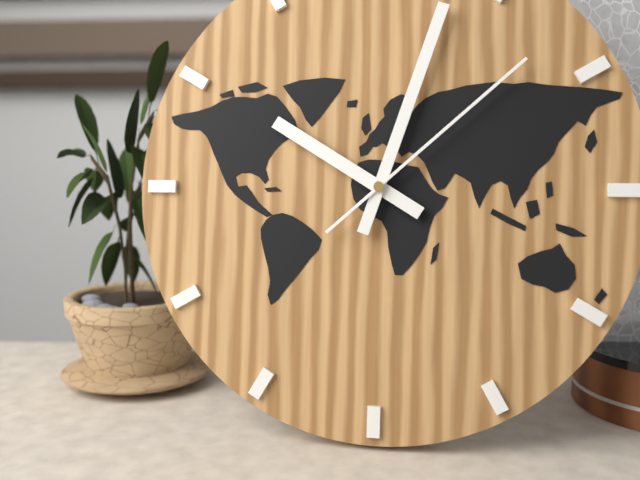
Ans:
10,03,08
